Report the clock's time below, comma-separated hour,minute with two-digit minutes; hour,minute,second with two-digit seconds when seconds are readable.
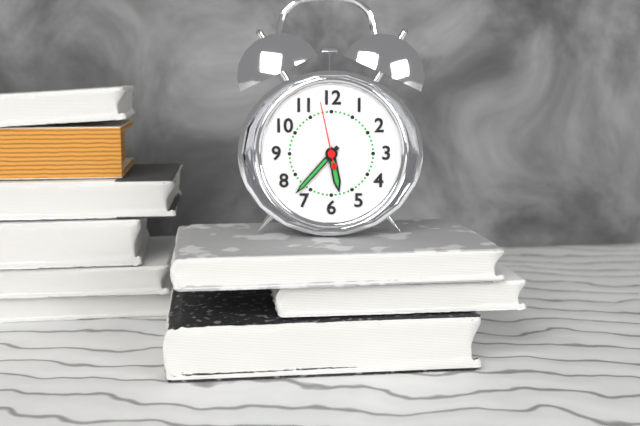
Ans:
5,37,58
